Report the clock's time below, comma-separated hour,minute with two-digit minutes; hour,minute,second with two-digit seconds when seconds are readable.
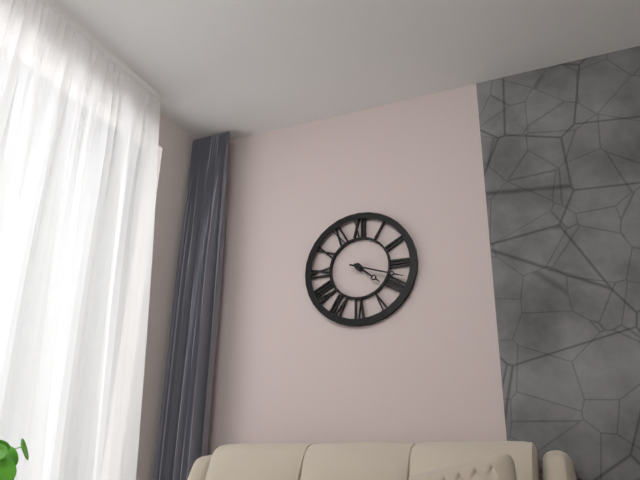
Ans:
4,18
